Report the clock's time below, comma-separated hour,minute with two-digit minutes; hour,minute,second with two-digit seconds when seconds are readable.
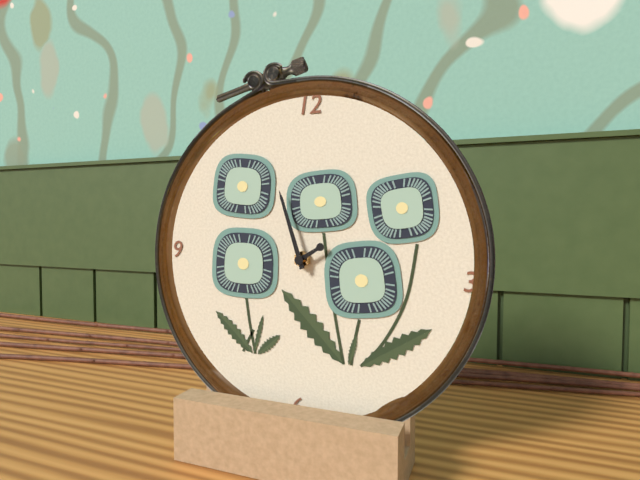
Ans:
1,57
